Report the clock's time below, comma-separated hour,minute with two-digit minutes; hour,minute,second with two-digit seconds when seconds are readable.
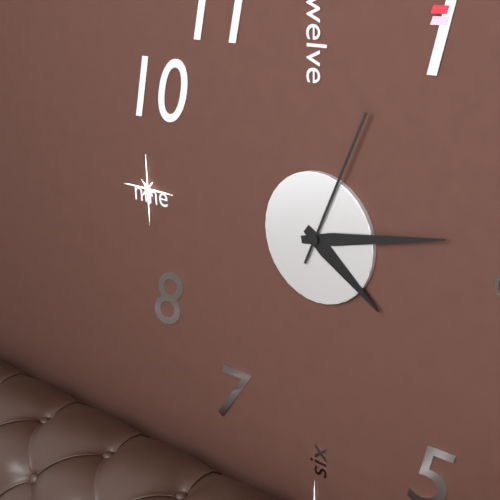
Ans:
4,13,04
